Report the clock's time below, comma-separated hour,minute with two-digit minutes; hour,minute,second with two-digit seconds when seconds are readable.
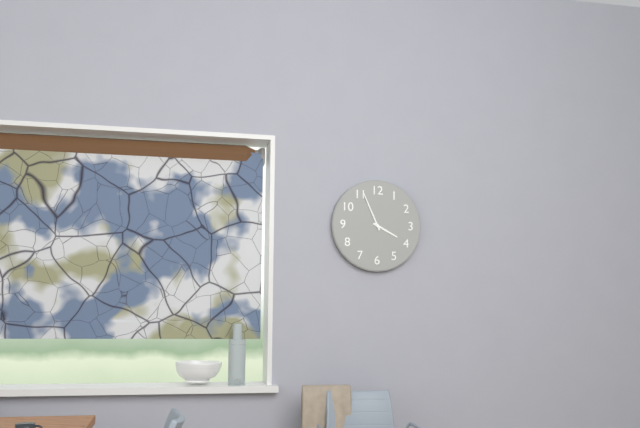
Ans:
3,56
